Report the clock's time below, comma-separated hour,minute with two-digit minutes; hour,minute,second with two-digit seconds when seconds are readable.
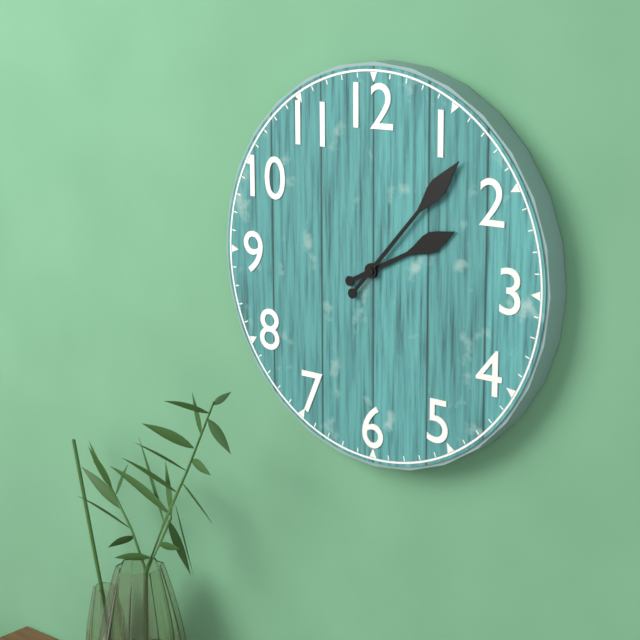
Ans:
2,07
